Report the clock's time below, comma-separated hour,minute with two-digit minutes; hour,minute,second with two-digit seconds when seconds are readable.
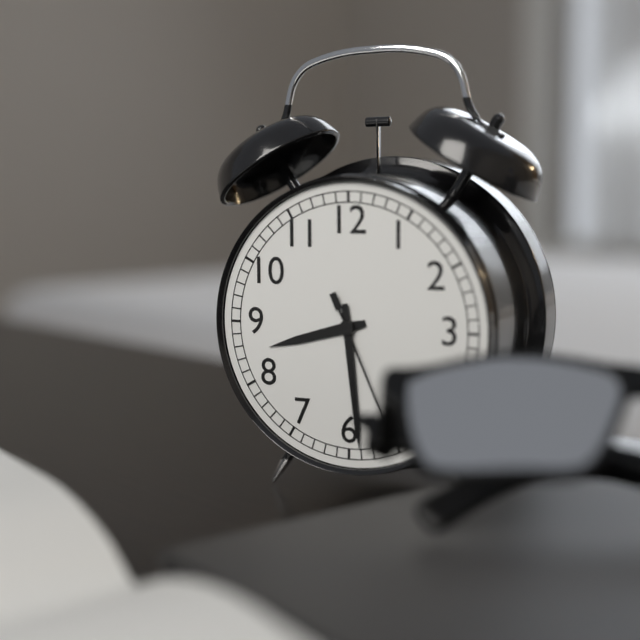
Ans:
8,29,26
